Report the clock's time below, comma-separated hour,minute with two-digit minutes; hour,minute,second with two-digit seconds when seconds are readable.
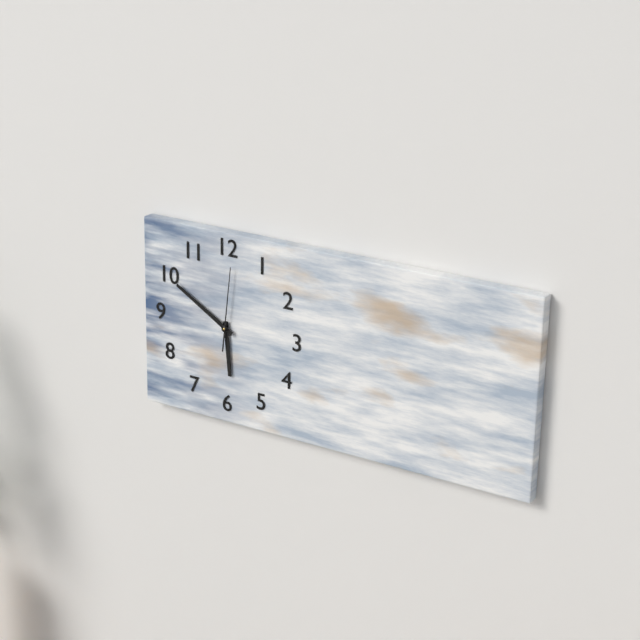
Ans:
5,50,01
